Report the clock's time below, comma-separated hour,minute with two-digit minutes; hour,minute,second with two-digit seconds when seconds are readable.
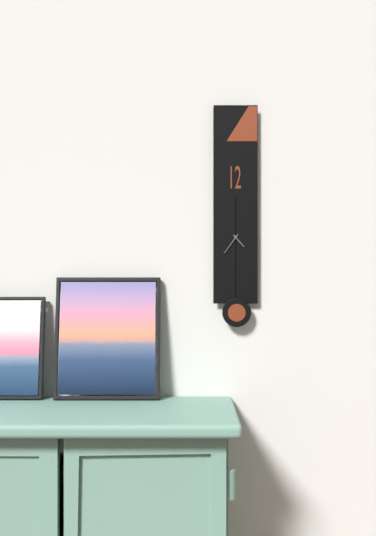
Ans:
4,36
